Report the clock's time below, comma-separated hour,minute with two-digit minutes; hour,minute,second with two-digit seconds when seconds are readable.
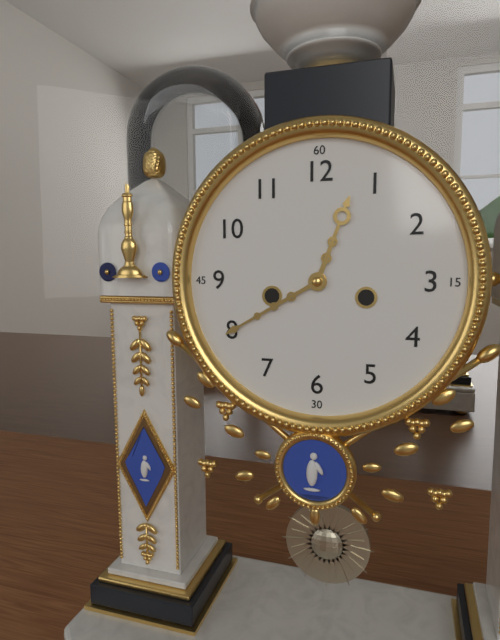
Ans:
12,40
